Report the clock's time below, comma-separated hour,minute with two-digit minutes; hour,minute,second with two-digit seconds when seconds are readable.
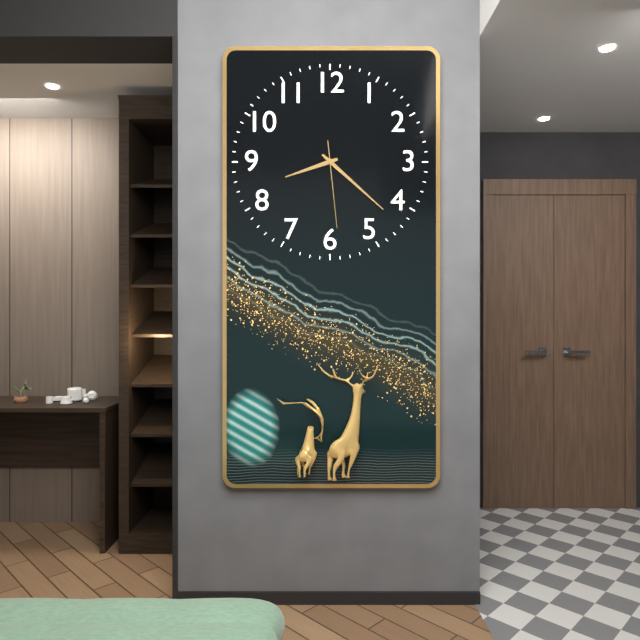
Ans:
8,22,29
